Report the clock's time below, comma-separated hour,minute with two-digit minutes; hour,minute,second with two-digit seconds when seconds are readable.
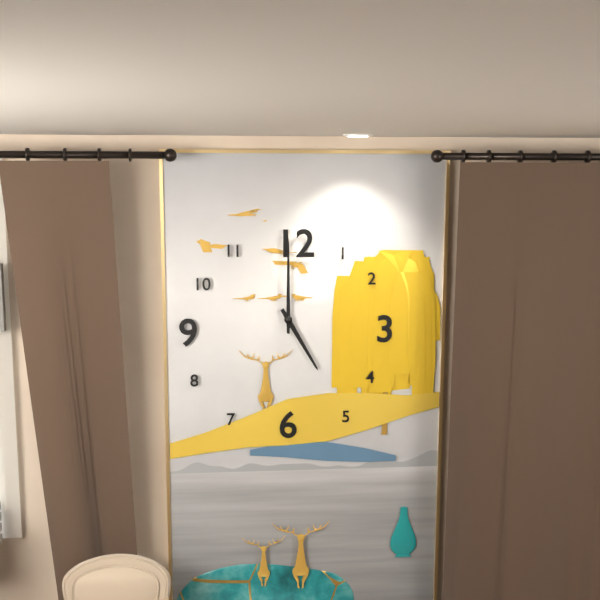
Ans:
5,00
